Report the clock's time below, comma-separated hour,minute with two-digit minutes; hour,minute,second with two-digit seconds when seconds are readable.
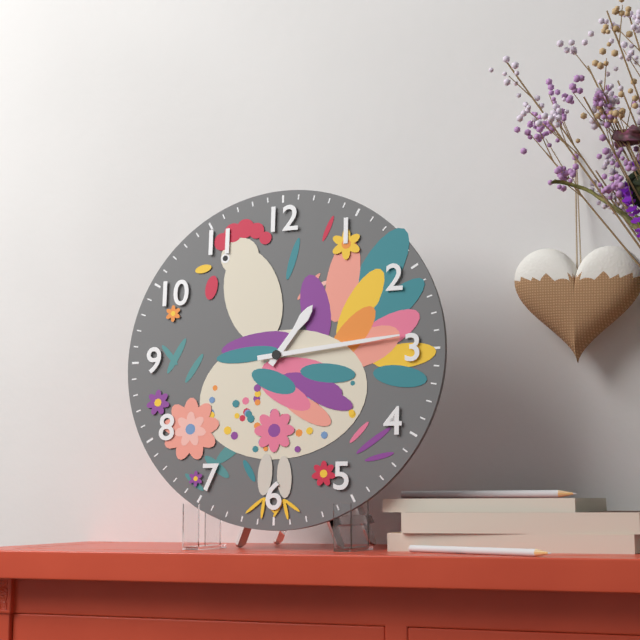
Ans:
1,14
